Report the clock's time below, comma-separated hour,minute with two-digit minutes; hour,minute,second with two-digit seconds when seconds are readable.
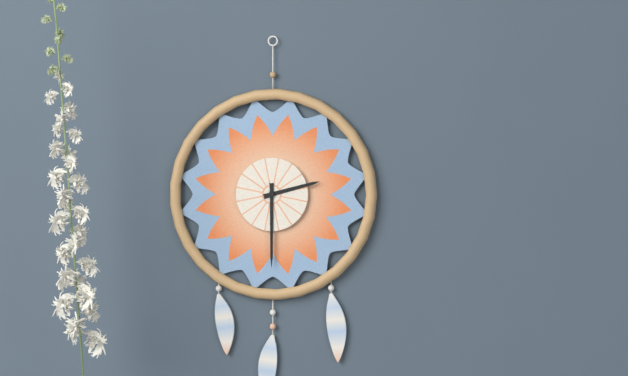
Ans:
2,30
